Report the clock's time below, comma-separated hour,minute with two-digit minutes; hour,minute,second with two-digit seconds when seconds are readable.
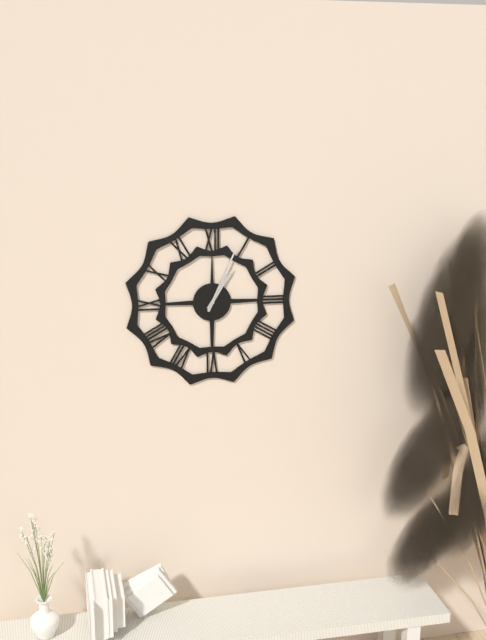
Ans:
1,04
